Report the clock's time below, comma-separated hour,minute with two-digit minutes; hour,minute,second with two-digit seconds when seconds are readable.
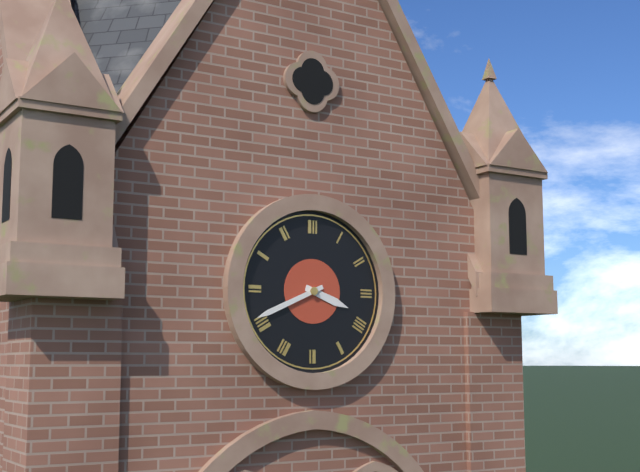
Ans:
3,41
